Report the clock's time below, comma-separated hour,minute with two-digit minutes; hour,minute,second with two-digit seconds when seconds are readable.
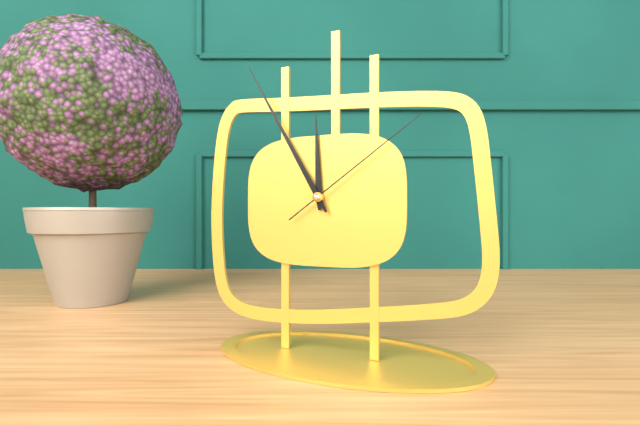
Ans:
11,55,09
